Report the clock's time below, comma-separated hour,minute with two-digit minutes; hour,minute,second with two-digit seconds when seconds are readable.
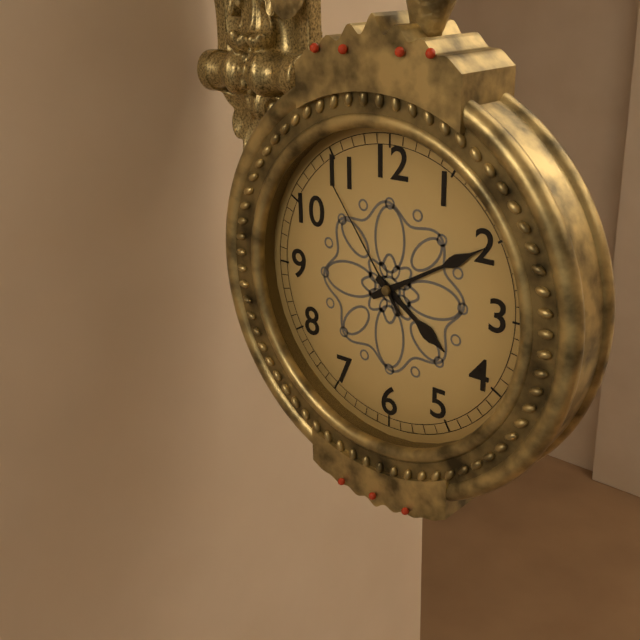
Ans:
4,10,54
